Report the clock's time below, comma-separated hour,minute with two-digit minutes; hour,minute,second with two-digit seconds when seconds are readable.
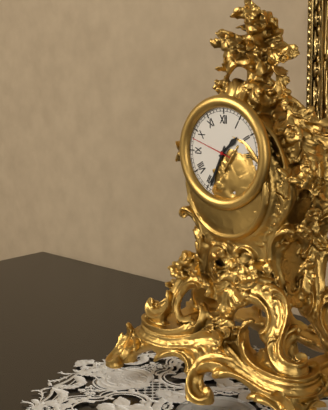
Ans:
1,34
